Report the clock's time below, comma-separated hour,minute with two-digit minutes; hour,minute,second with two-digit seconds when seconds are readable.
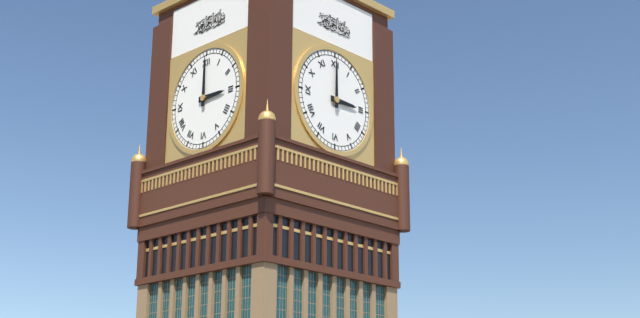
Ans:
3,00
